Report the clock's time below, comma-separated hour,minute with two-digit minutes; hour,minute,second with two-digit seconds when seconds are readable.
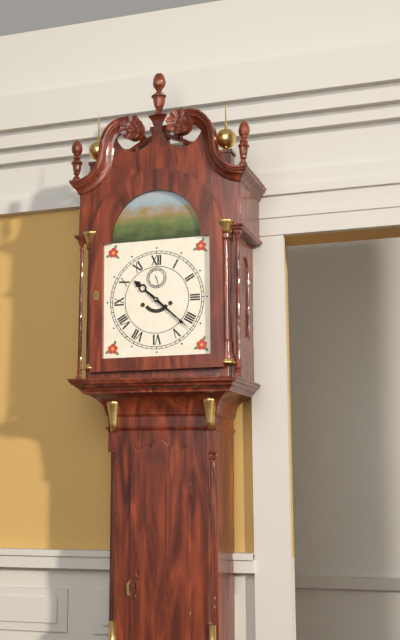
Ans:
10,22
